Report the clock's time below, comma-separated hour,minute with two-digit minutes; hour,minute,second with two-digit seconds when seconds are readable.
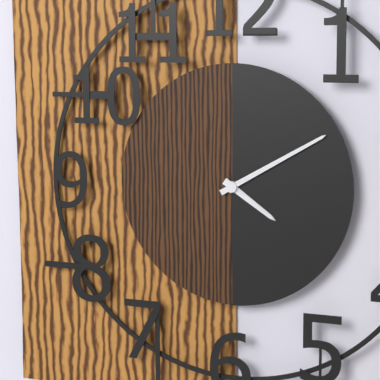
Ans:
4,10
